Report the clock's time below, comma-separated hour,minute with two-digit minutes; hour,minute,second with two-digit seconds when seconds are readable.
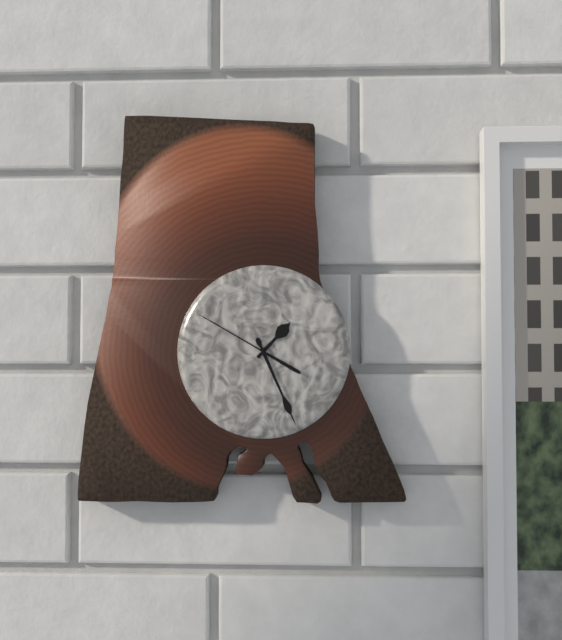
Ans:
1,26,50
